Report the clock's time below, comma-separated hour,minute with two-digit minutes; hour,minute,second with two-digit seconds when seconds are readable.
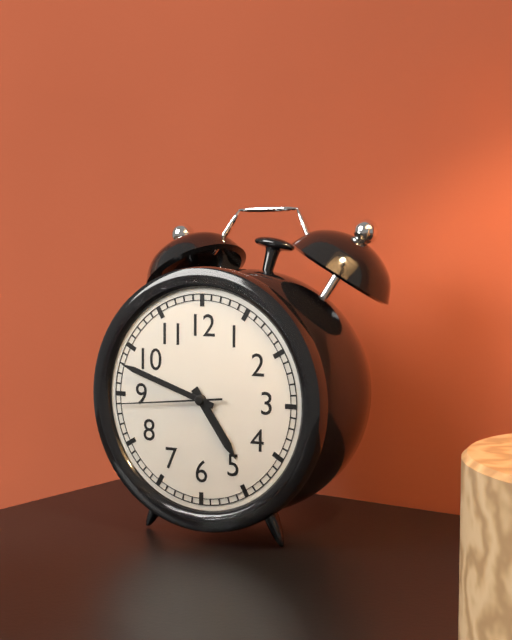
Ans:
4,48,44
